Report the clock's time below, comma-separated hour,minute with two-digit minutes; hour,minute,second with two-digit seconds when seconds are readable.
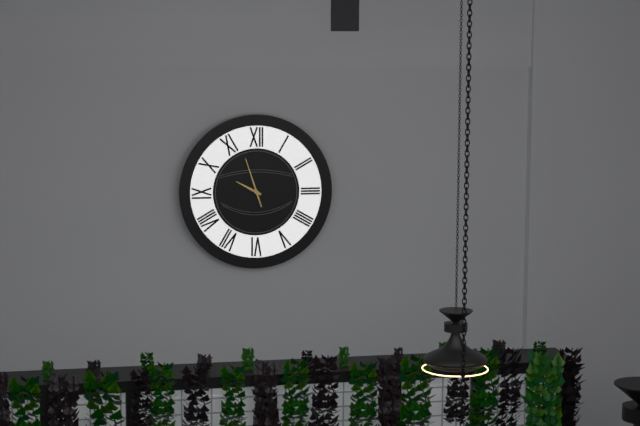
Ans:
9,57
